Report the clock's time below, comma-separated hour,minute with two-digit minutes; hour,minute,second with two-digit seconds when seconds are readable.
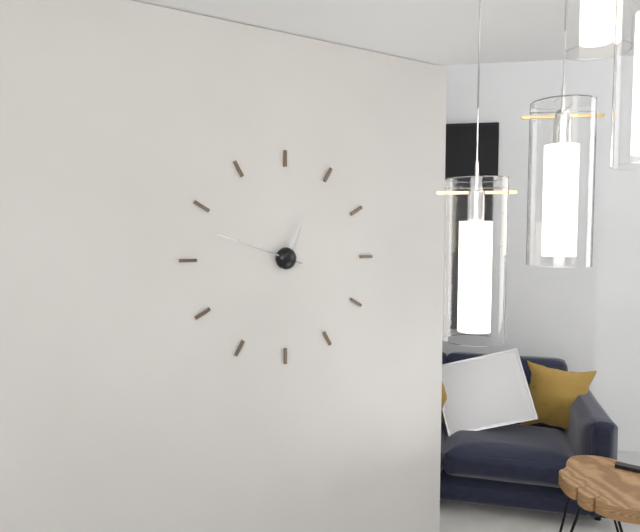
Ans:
12,48
